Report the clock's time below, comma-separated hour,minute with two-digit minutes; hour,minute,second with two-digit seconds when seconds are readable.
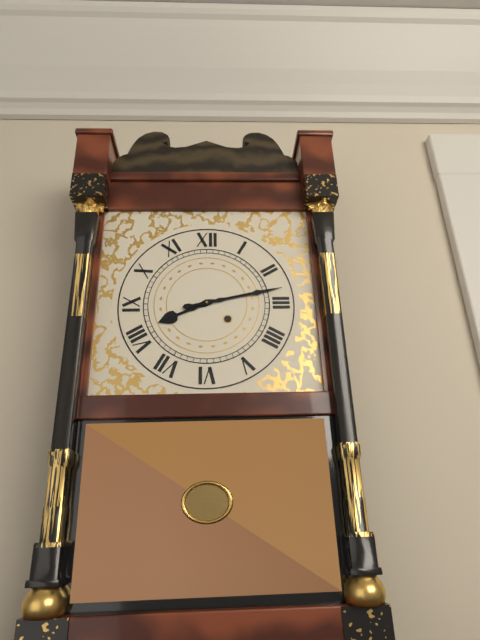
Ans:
8,13
